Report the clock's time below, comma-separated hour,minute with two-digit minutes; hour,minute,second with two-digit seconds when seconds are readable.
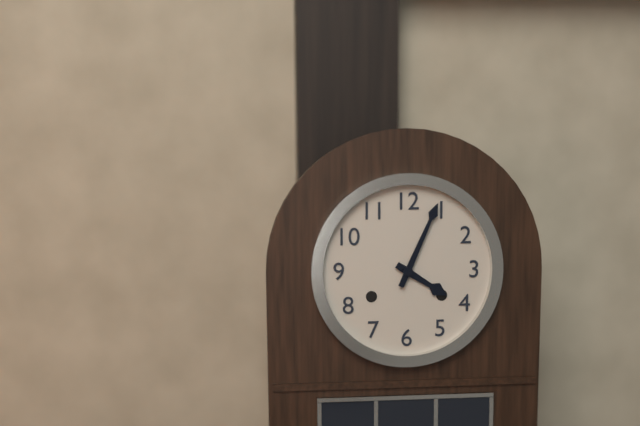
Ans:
4,04
